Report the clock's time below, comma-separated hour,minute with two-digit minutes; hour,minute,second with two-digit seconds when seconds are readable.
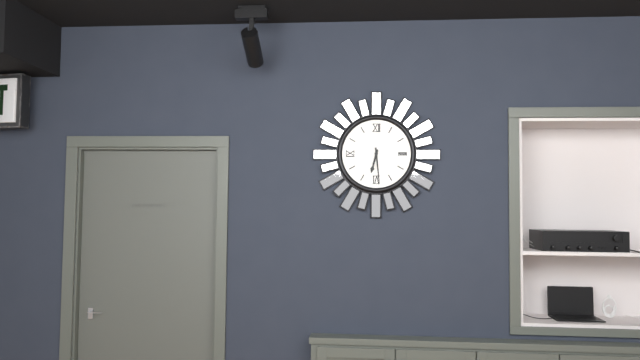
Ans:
6,29
